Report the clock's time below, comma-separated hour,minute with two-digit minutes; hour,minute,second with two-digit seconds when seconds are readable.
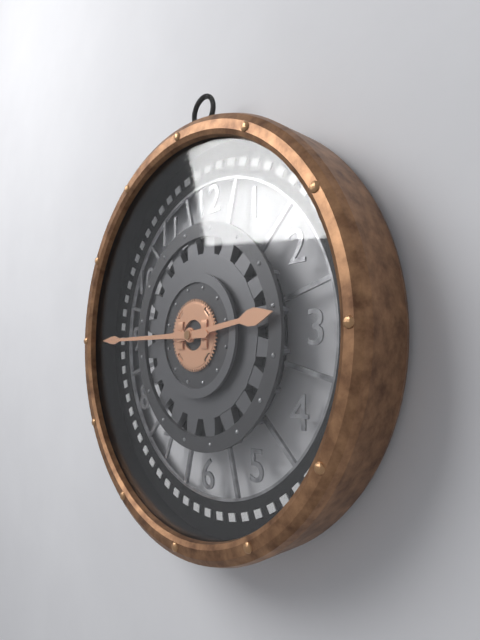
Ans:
2,45
